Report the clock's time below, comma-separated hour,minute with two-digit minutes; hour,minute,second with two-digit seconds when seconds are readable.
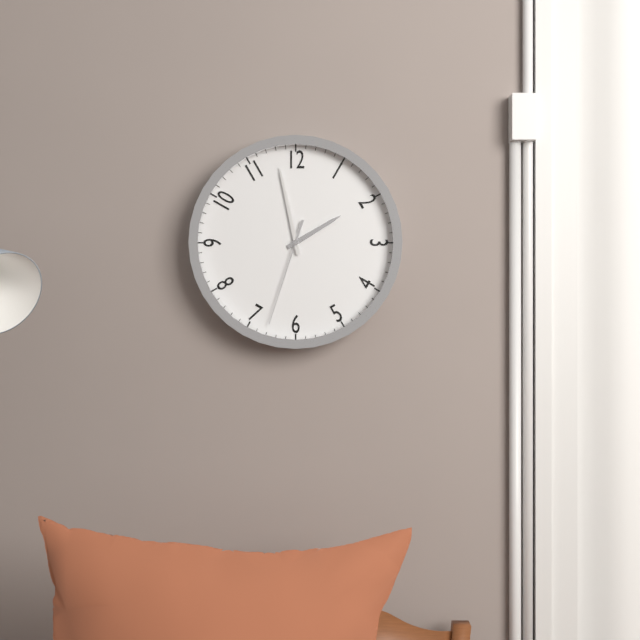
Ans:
1,58,33
